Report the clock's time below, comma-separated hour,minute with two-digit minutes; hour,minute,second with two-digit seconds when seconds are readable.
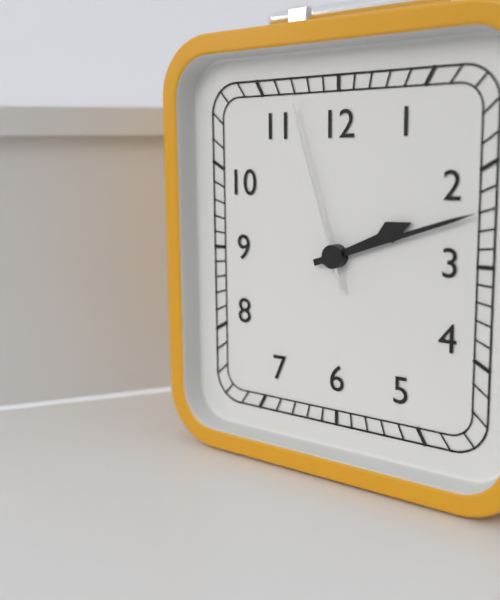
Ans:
2,12,57
